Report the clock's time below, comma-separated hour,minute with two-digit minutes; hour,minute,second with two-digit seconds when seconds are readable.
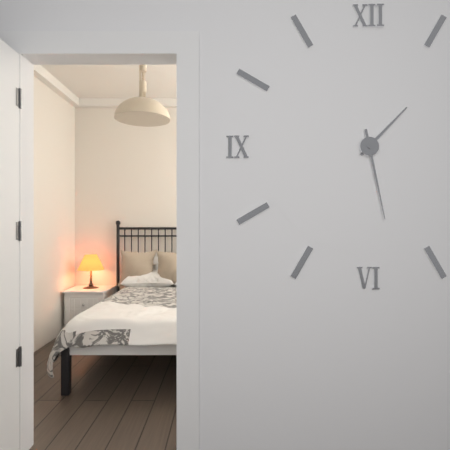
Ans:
1,28
